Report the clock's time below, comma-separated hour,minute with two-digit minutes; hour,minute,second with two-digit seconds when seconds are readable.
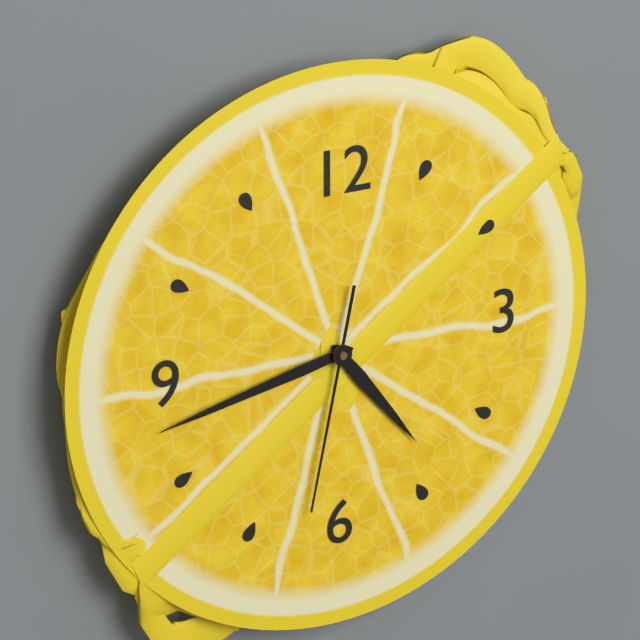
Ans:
4,43,32
